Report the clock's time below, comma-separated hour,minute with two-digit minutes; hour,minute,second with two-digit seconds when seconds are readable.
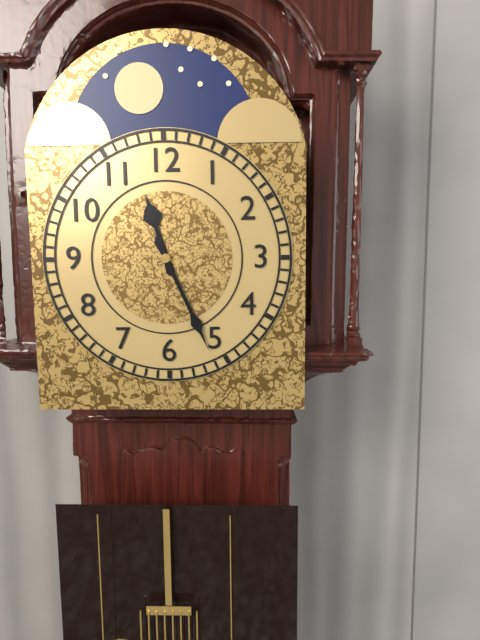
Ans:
11,26
